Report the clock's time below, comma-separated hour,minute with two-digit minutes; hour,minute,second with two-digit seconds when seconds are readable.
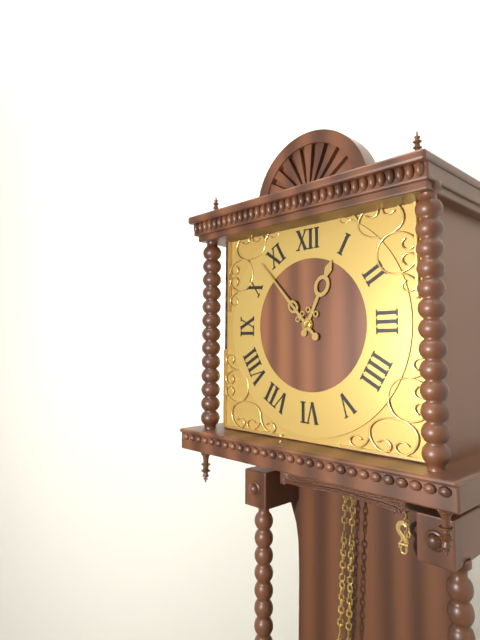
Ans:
12,53
